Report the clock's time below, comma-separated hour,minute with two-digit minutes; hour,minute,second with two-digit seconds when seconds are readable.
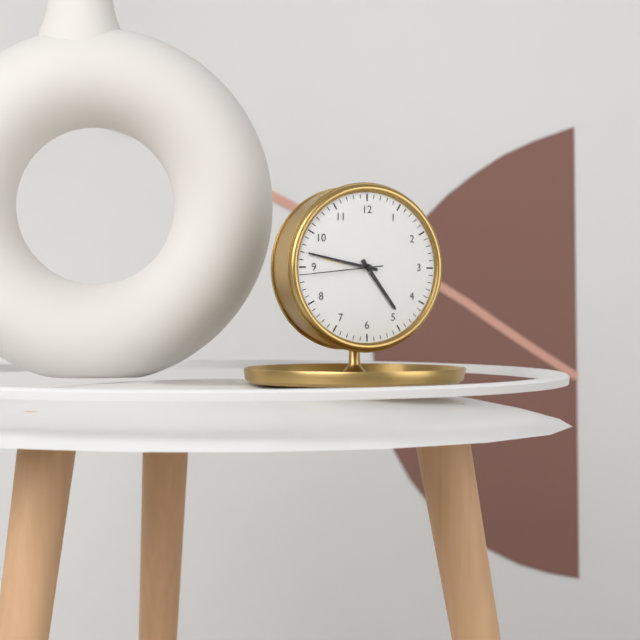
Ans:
4,47,44
